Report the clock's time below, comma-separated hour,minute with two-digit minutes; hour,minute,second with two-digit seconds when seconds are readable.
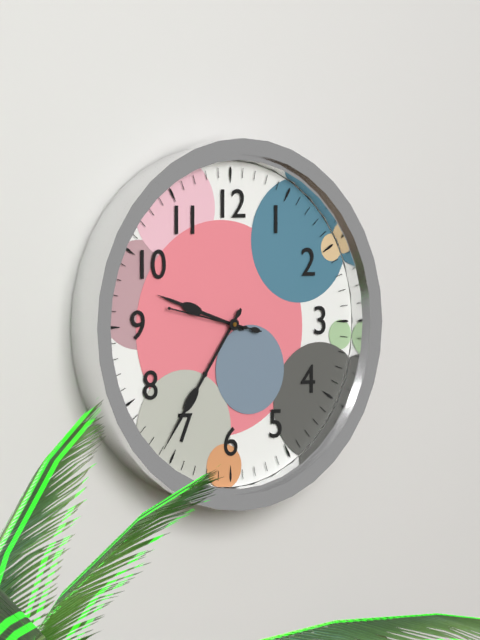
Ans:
9,36,47
